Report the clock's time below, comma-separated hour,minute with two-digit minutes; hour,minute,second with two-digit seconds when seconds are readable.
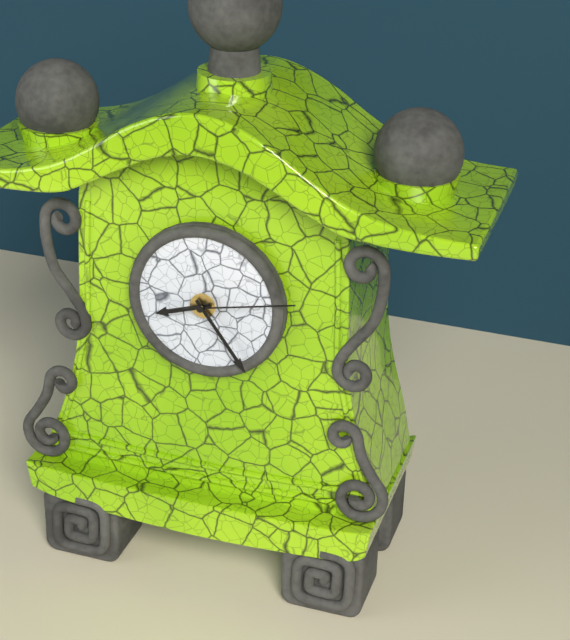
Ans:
8,24,13
